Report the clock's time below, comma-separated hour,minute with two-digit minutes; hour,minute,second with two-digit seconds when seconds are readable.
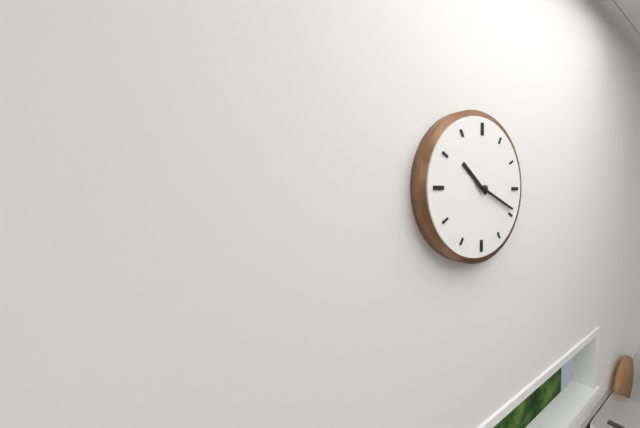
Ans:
10,19
